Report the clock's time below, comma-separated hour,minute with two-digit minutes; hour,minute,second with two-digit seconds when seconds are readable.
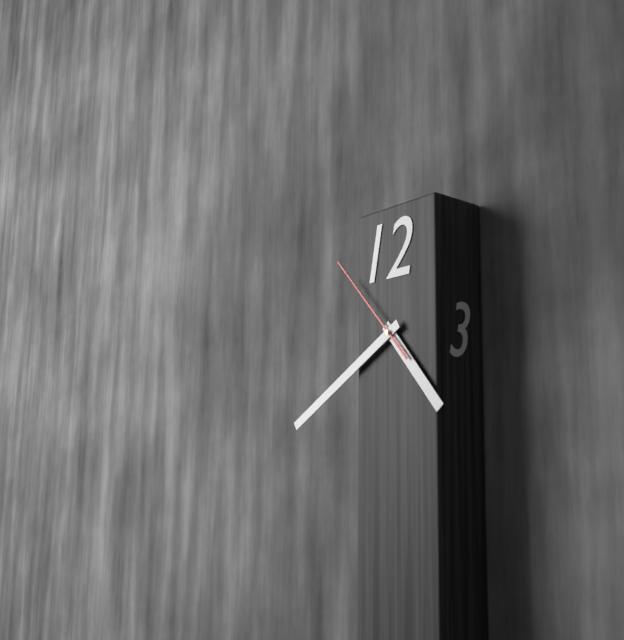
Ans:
4,40,53
